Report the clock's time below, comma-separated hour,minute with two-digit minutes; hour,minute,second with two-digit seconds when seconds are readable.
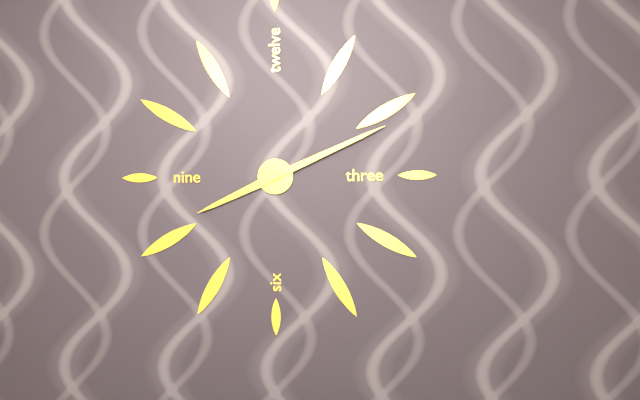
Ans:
8,11
